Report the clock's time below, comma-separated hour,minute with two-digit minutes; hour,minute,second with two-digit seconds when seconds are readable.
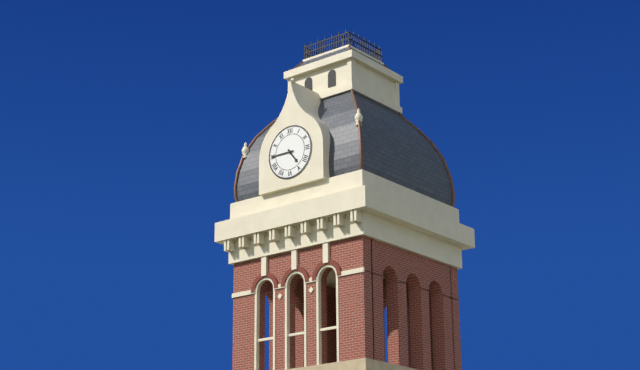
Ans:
4,45
